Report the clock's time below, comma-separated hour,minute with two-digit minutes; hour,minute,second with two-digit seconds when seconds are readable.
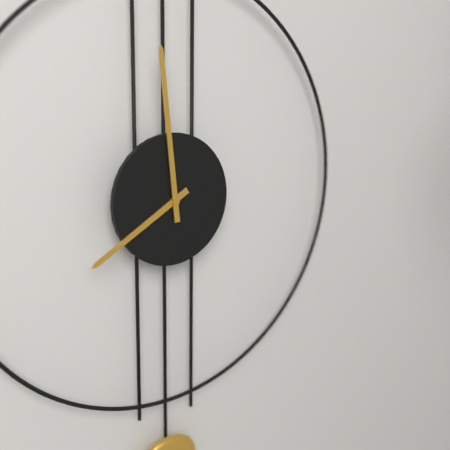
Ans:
7,59
